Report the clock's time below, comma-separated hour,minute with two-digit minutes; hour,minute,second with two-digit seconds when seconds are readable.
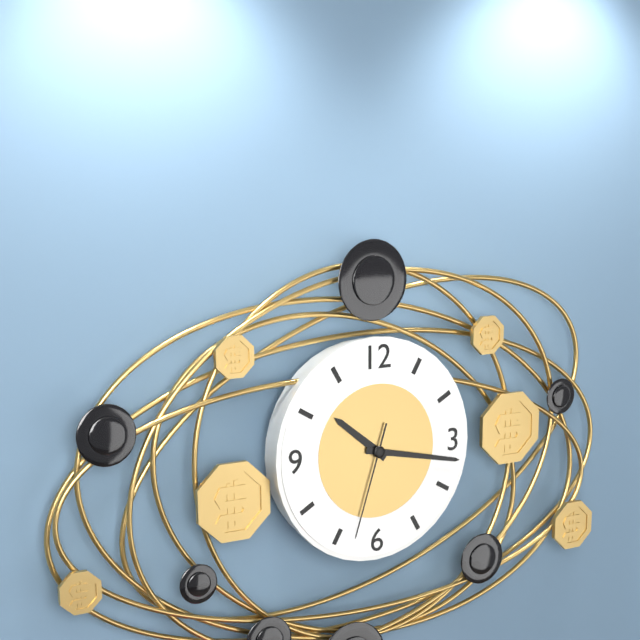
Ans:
10,17,33
